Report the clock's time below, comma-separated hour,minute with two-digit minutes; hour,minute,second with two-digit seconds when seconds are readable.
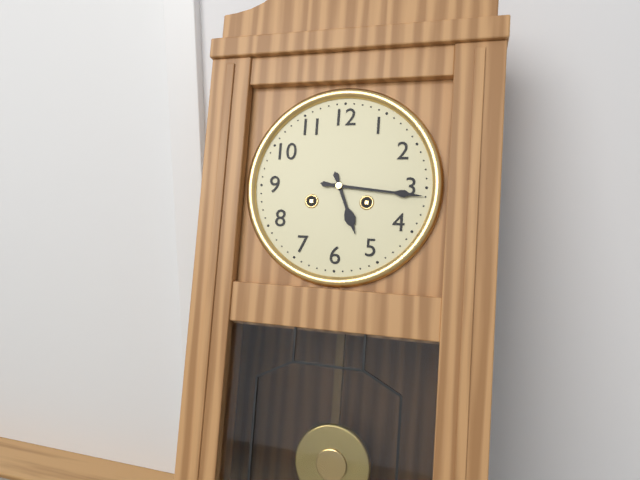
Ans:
5,16
